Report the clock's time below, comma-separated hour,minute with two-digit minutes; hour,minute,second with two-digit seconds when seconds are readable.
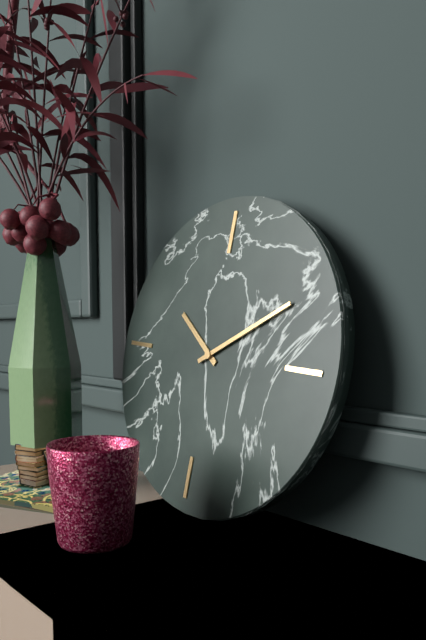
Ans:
10,10
